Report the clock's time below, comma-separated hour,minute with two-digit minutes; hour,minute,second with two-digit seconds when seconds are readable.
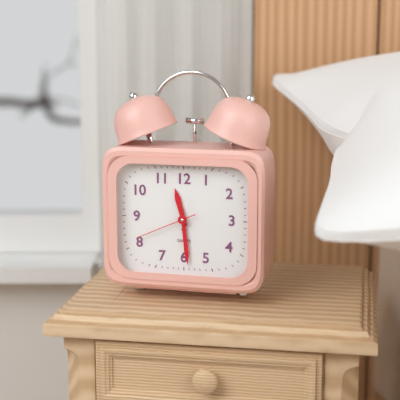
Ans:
11,29,41
